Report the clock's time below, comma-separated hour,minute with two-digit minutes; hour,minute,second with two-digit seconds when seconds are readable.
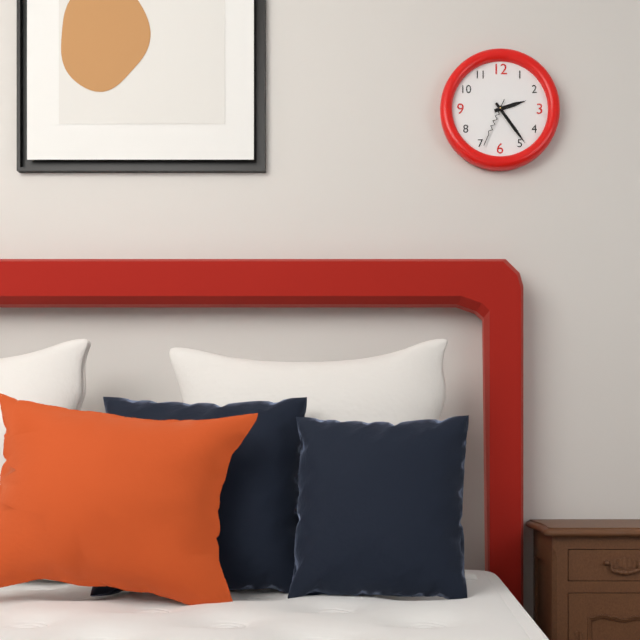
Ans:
2,24,34
